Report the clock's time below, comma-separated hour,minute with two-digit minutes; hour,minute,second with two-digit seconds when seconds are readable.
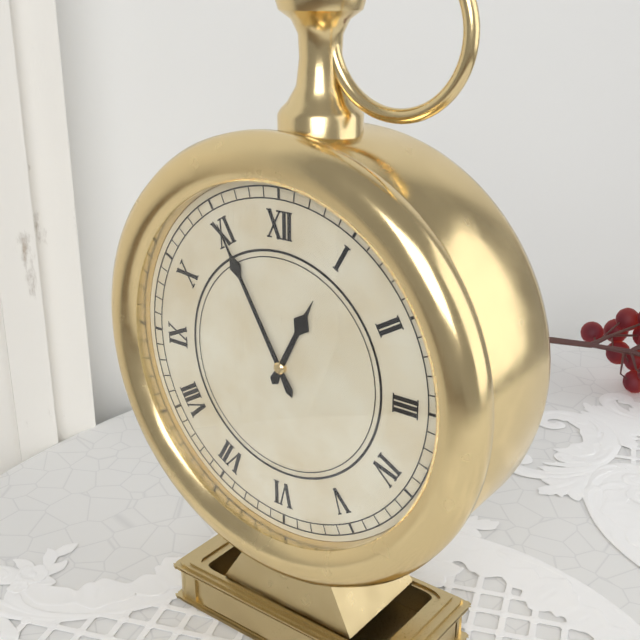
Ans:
12,55
